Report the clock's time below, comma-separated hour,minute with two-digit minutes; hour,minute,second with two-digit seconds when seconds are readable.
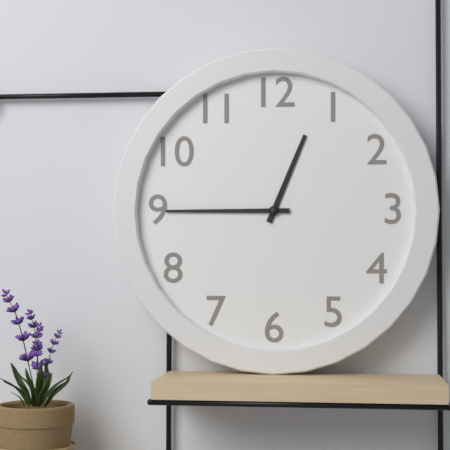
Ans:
12,45
